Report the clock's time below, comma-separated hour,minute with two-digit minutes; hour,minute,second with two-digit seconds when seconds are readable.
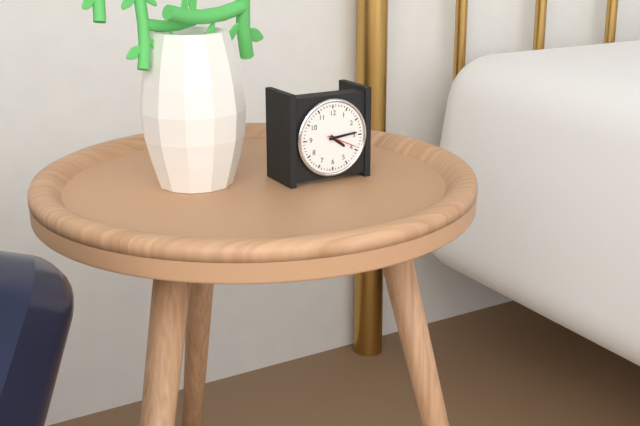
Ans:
4,14
